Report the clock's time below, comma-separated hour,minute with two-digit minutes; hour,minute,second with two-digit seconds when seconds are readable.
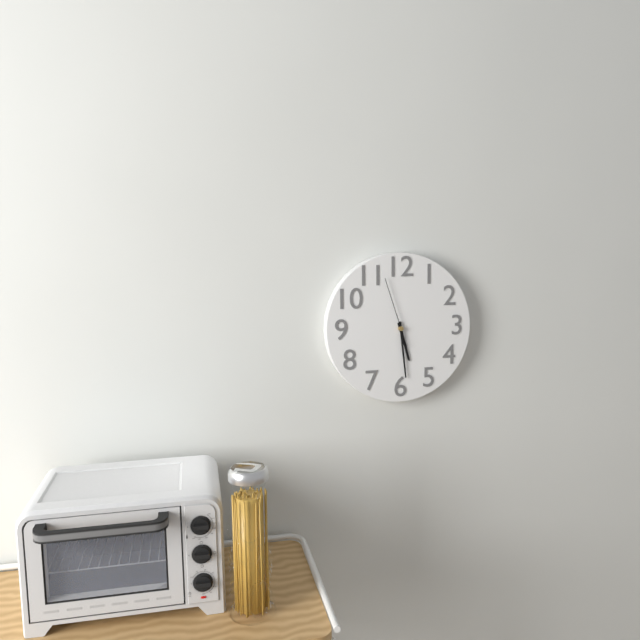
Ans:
5,29,57
